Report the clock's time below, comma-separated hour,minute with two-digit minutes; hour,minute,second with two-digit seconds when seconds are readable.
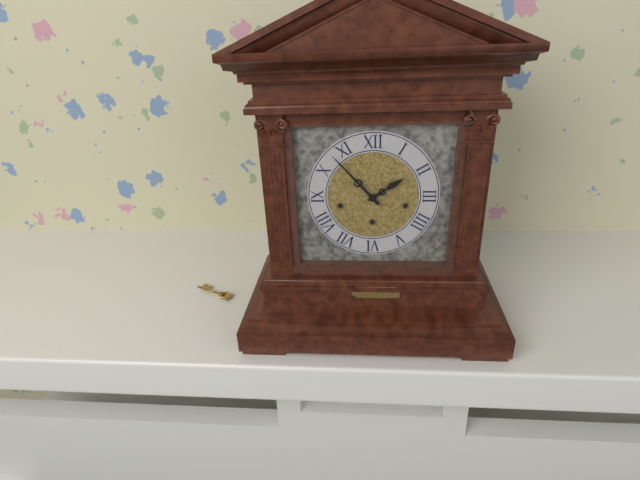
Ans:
1,53
